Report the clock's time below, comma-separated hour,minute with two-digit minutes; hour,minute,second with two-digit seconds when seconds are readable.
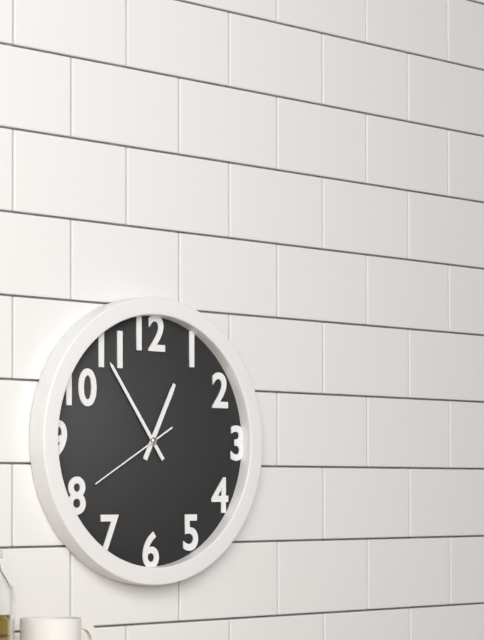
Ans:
12,54,40
